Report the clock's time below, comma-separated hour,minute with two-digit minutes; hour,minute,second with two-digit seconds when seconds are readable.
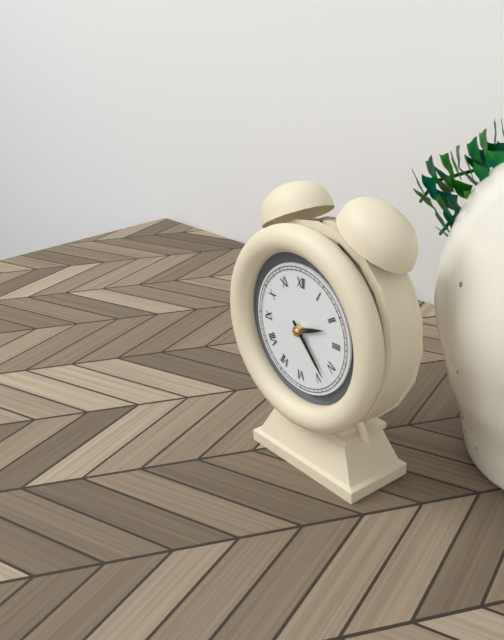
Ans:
2,23
